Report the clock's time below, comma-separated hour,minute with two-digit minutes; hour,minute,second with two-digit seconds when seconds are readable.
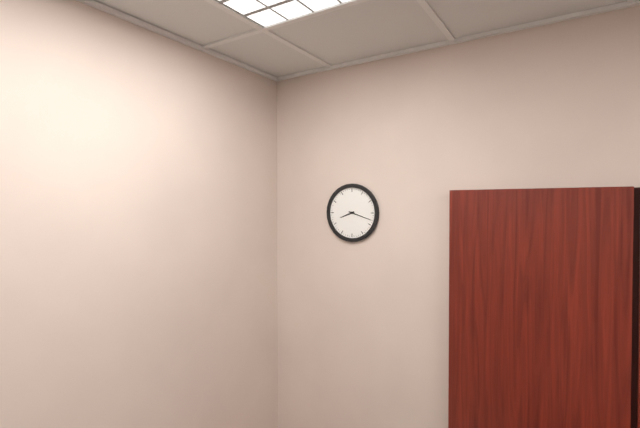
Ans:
8,18
